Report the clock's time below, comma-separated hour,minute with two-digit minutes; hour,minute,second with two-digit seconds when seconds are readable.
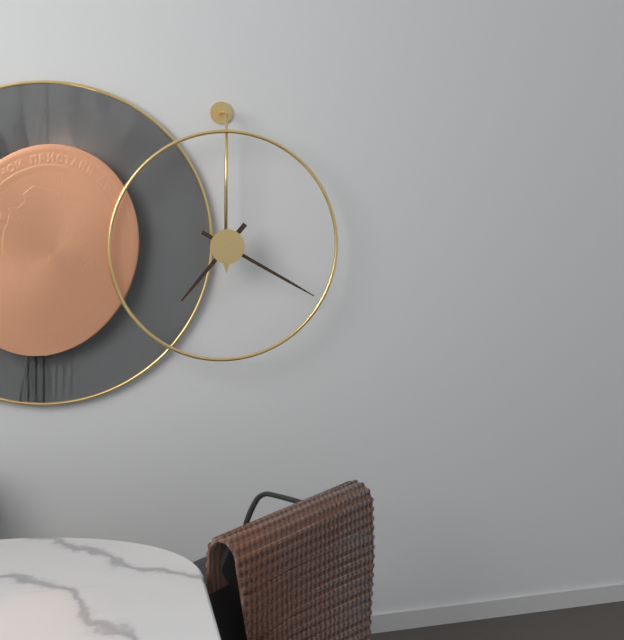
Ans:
7,20
